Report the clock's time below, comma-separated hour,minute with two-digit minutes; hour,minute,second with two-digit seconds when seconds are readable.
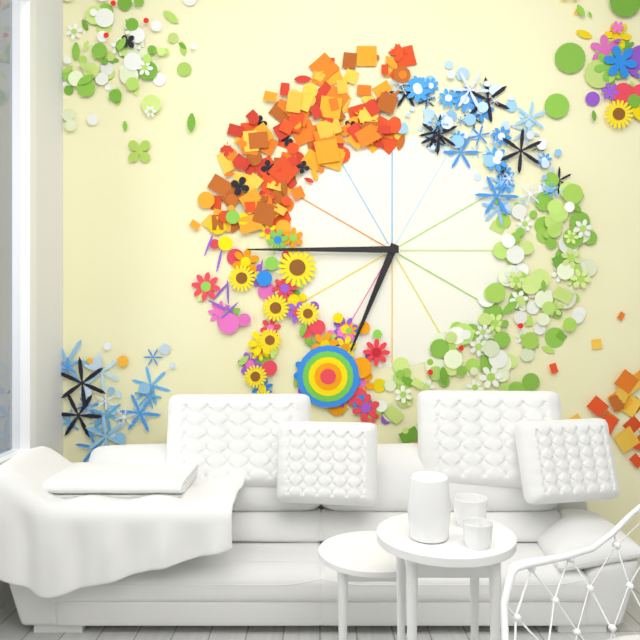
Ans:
6,45
